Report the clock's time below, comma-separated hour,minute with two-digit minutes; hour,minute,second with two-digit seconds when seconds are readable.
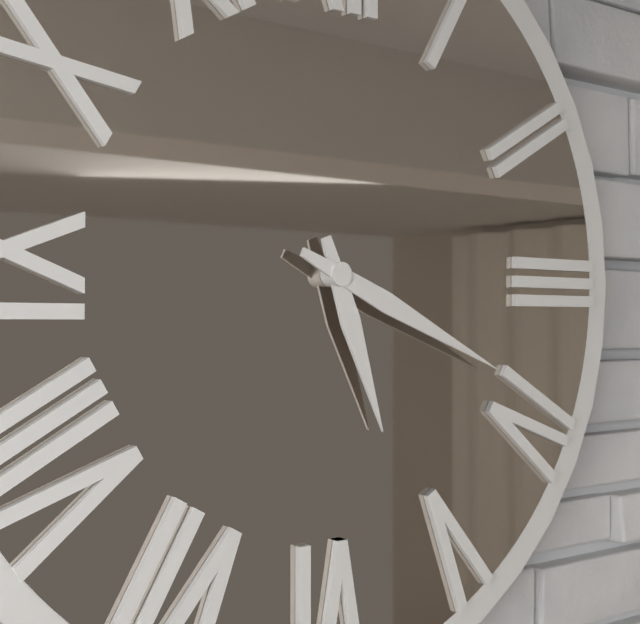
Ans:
5,19
